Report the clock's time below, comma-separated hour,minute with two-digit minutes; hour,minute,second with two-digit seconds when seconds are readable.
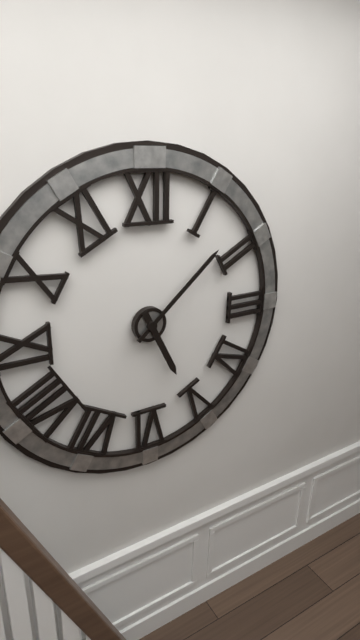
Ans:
5,08
